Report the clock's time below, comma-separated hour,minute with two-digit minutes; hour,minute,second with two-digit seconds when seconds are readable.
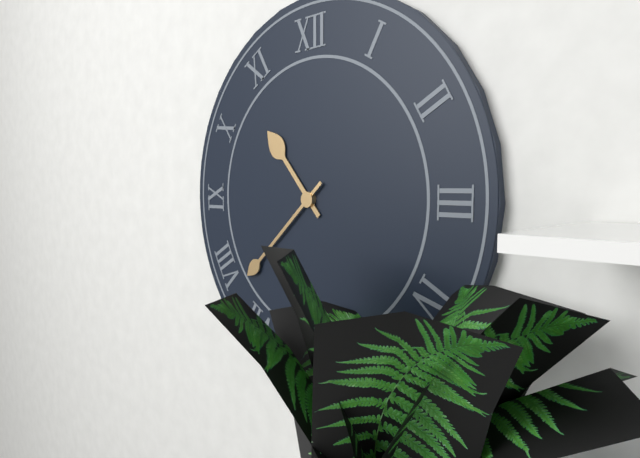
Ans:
10,38
